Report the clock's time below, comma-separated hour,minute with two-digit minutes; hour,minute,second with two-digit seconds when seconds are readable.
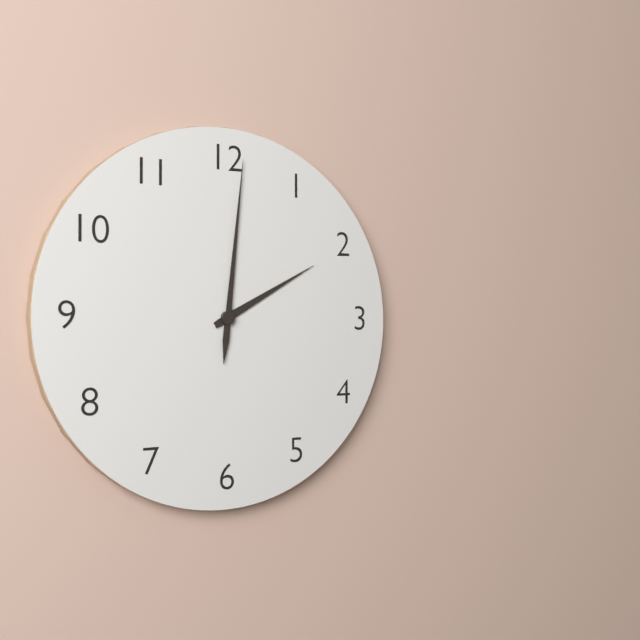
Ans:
2,01
